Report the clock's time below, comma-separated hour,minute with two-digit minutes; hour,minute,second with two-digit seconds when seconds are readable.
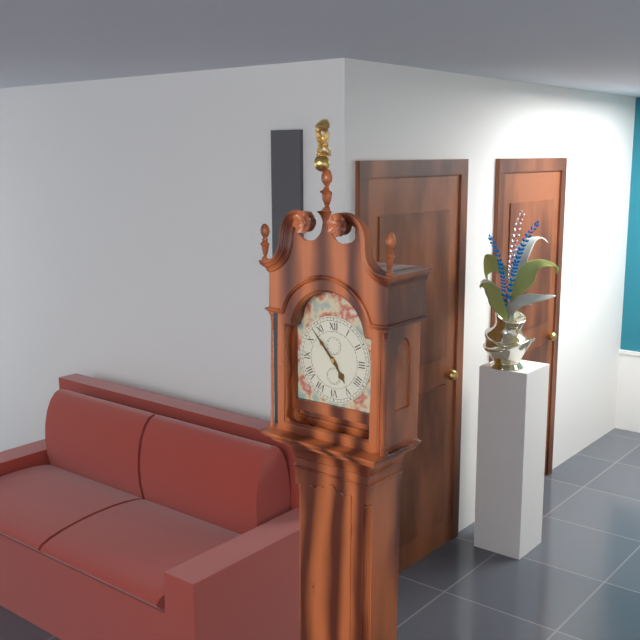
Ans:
4,53
